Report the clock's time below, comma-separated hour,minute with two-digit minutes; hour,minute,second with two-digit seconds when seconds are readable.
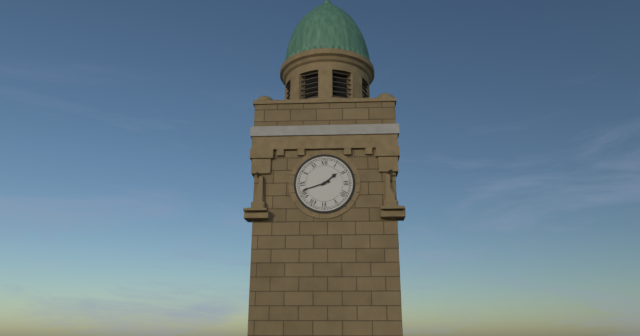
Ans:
1,42
